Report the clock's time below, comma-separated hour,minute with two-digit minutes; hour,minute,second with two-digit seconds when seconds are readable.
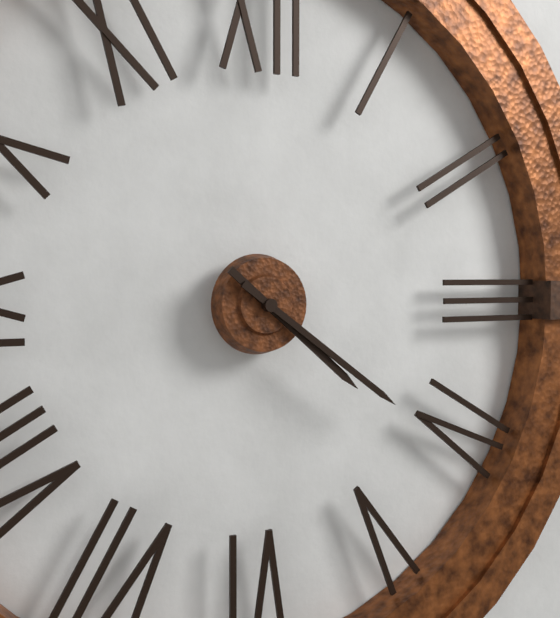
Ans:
4,21
